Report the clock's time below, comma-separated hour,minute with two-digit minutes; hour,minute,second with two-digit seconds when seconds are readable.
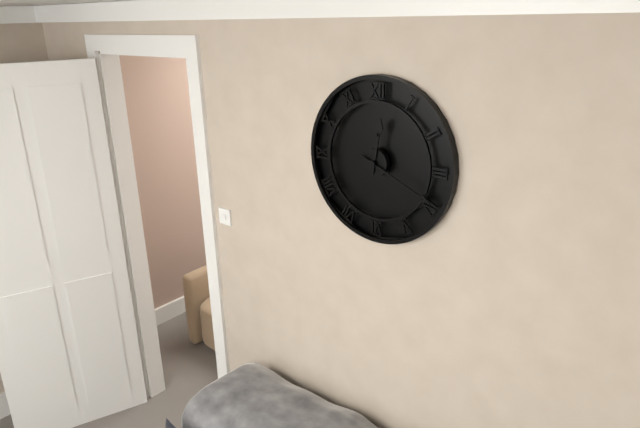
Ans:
12,19
